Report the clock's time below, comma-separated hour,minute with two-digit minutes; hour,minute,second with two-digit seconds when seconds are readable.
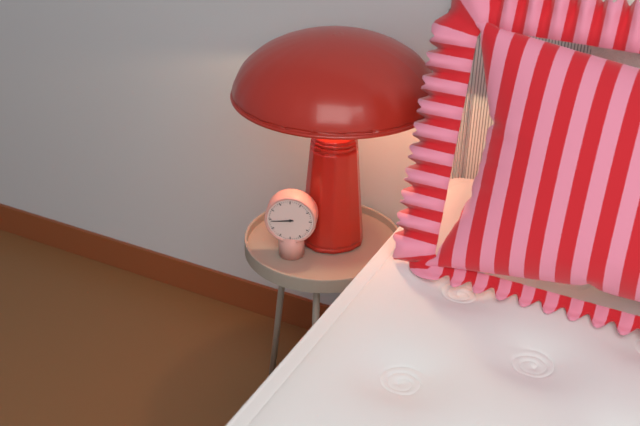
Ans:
8,44
